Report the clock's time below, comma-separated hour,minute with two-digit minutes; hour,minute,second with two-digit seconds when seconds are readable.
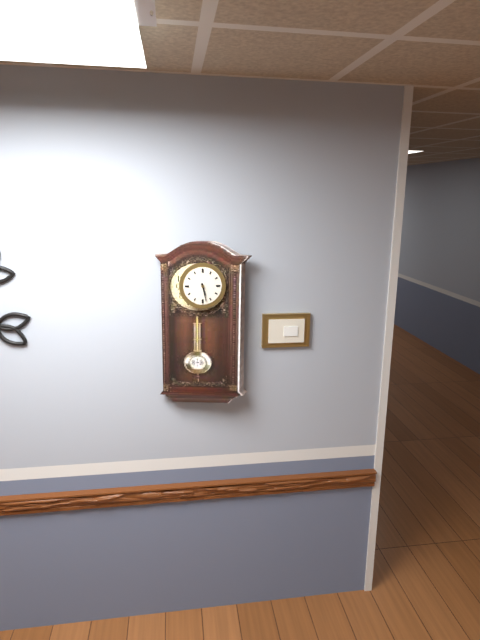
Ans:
5,28
